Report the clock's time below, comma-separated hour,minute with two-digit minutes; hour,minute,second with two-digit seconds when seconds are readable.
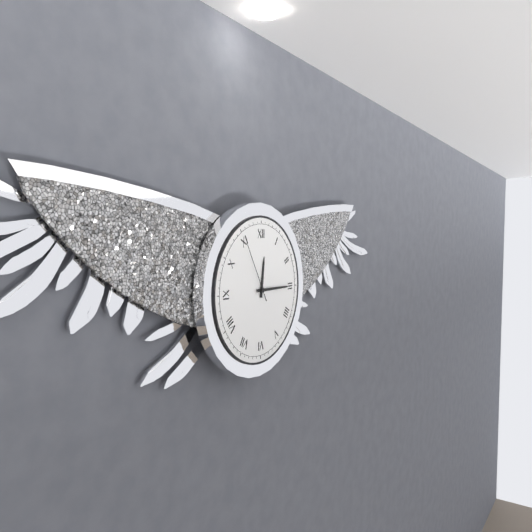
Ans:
12,15,55
